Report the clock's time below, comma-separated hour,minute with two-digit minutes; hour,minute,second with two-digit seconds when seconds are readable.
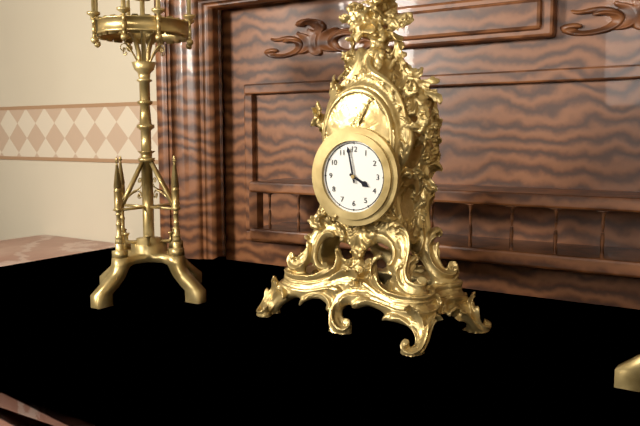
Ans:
3,58
